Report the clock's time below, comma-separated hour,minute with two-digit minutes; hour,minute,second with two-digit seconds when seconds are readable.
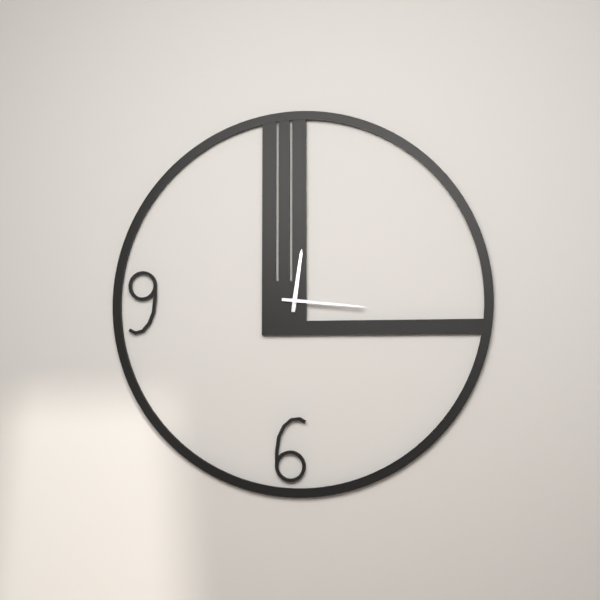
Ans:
12,16
